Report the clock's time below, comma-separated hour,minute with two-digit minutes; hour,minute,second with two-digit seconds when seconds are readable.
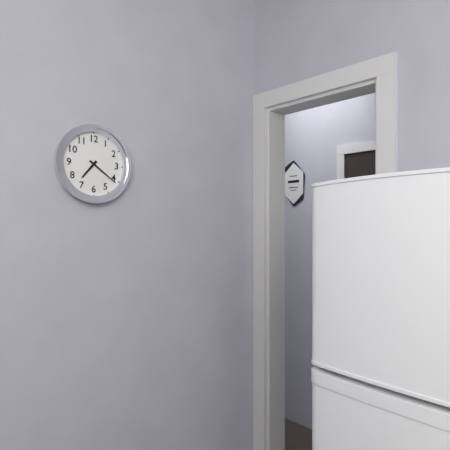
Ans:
7,21
